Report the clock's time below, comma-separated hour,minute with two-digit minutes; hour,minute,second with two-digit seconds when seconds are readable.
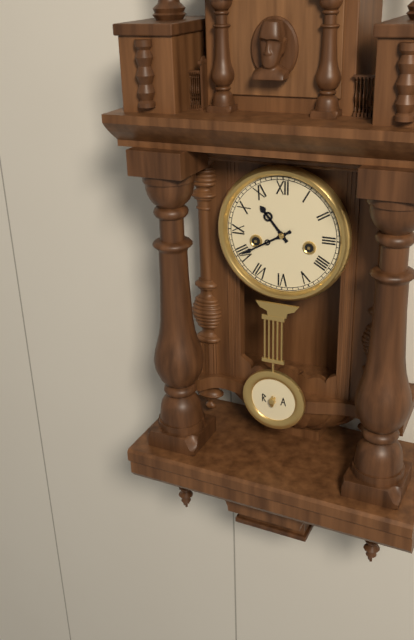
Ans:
10,40
